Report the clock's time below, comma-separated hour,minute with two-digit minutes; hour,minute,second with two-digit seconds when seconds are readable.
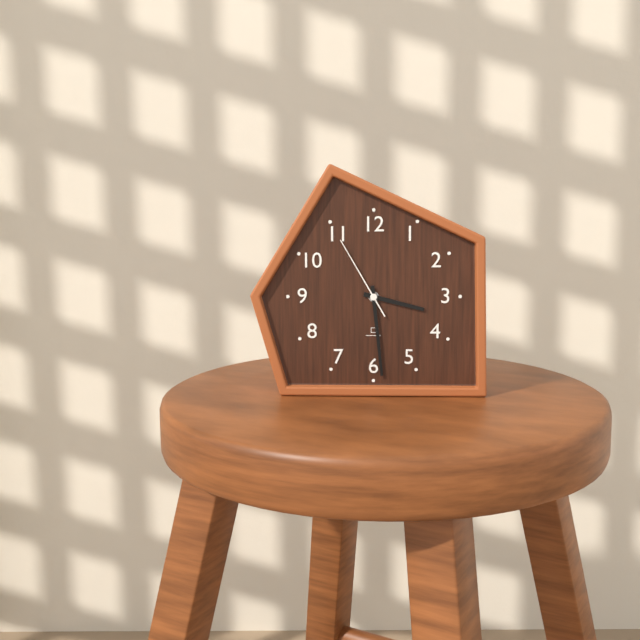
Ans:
3,29,55
